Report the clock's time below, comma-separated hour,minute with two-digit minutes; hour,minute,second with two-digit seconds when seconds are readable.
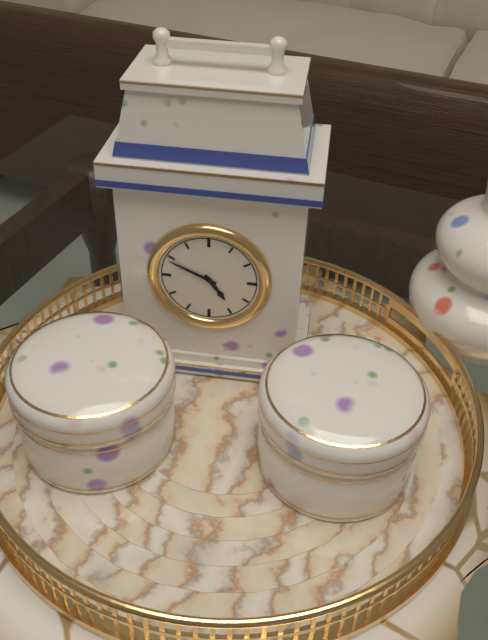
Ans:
4,49
